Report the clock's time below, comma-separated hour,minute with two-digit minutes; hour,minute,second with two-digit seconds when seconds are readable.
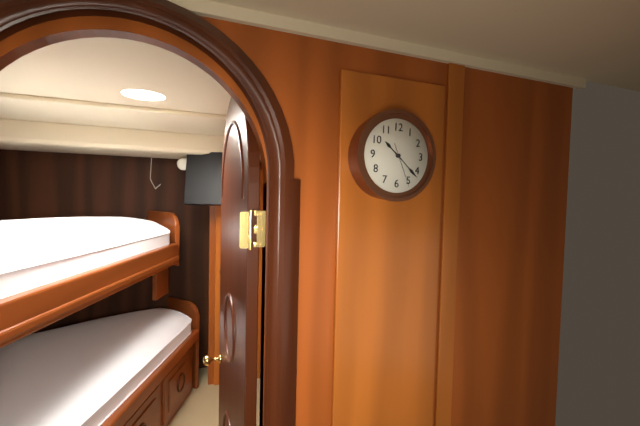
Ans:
10,22
